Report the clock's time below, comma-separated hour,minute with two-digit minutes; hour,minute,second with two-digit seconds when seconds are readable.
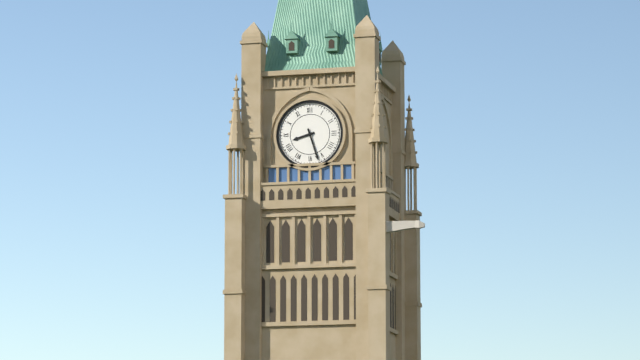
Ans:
8,27
